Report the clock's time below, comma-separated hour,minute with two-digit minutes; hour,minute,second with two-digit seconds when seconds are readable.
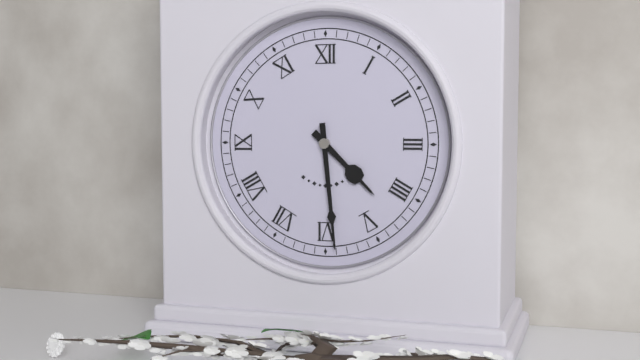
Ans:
4,29
